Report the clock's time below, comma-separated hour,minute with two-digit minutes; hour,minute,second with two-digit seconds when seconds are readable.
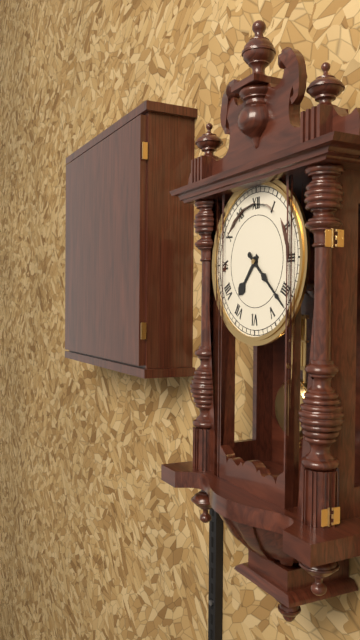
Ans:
7,22
